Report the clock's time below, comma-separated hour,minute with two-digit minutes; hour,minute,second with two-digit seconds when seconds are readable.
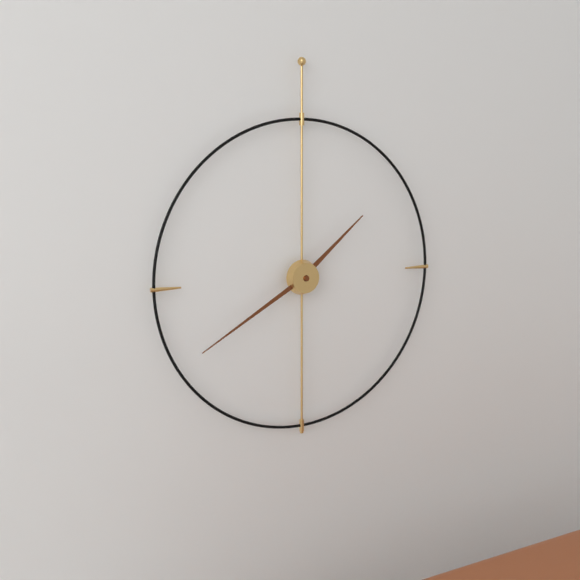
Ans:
1,40
